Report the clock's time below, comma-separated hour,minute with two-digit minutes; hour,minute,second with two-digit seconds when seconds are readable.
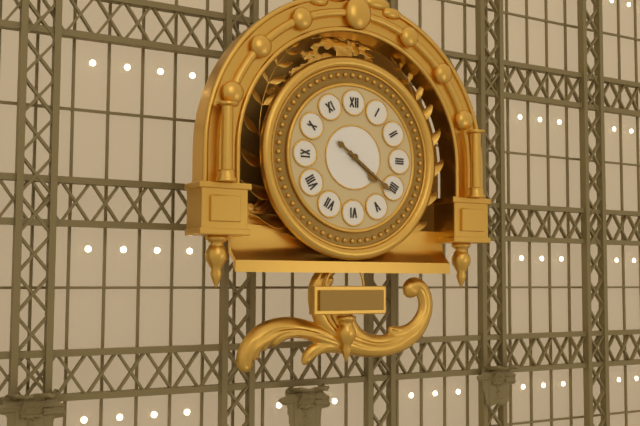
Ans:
4,21
